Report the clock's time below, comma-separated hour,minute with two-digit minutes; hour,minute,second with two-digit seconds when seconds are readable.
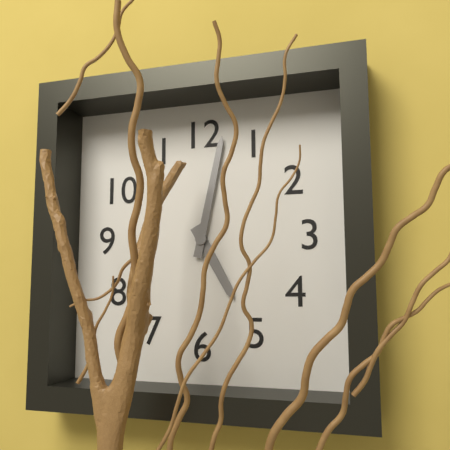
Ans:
5,02
